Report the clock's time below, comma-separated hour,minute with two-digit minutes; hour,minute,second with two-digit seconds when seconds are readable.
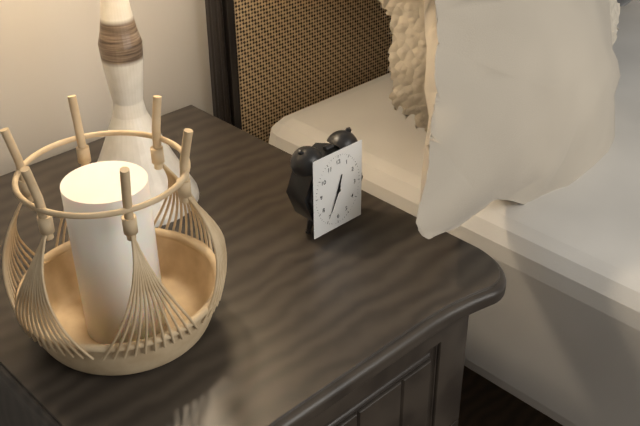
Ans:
12,34
